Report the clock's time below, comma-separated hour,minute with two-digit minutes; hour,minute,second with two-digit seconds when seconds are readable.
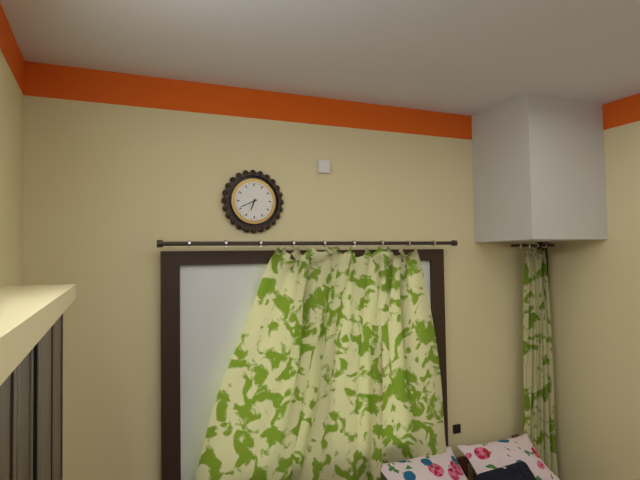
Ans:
6,41
